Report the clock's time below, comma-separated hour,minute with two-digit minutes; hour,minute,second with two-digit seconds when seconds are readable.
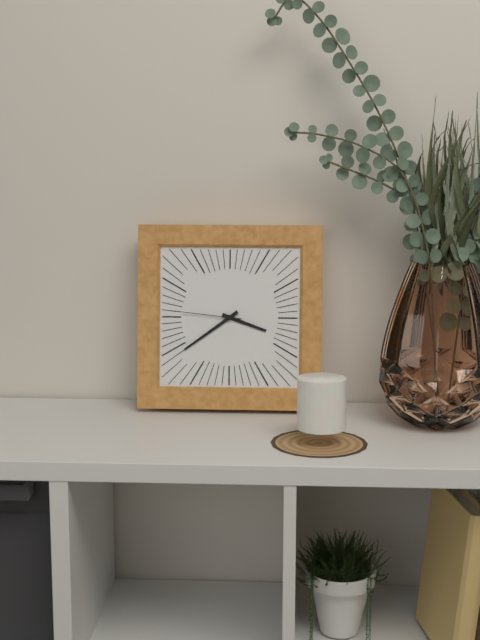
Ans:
3,39,46
